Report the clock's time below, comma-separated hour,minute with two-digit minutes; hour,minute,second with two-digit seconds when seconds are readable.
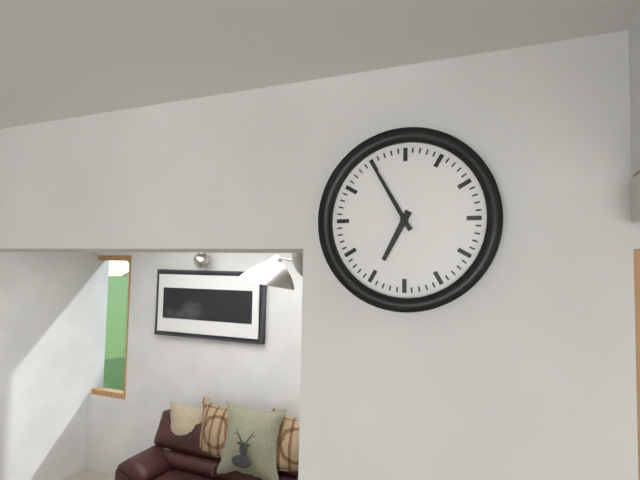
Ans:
6,55
